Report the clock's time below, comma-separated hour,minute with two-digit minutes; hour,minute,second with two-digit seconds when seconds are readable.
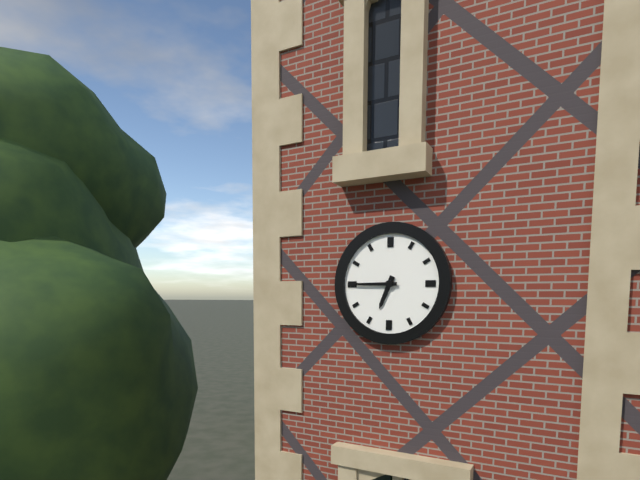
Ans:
6,45
